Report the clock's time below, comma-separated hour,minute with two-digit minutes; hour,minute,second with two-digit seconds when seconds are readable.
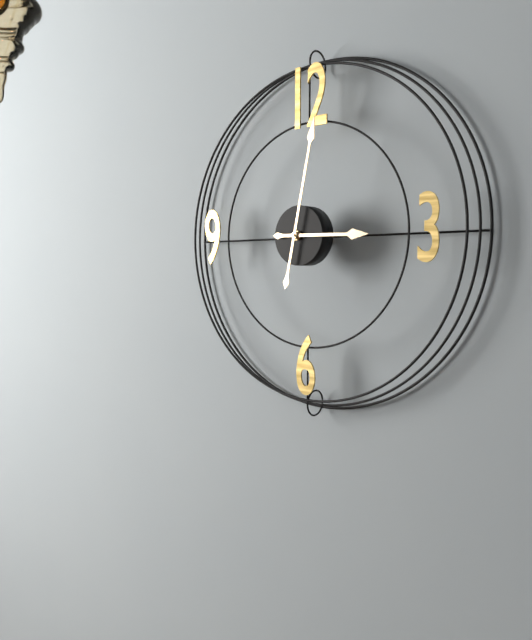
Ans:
3,02
